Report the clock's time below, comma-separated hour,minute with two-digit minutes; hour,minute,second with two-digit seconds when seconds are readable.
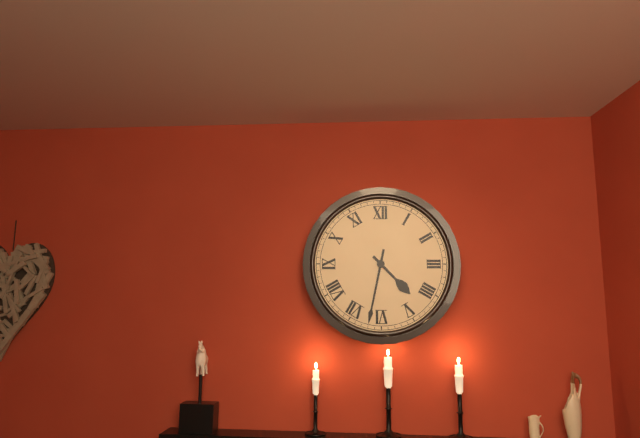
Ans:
4,32
